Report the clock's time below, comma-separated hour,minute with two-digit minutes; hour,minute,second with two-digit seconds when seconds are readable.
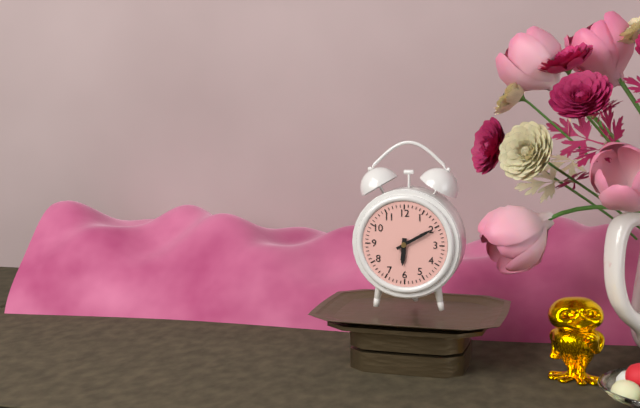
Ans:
6,10
